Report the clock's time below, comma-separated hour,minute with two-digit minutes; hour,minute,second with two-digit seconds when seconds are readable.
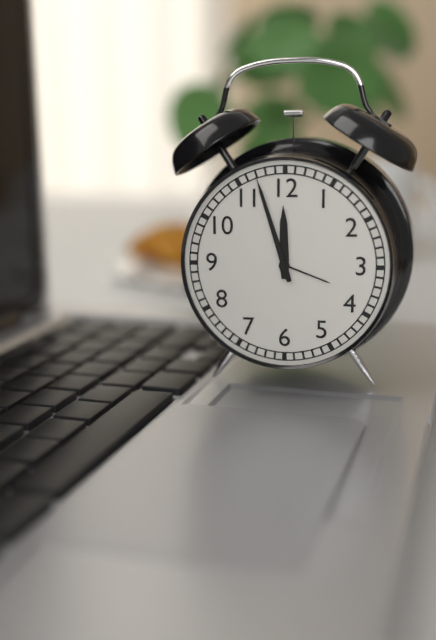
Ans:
11,57
